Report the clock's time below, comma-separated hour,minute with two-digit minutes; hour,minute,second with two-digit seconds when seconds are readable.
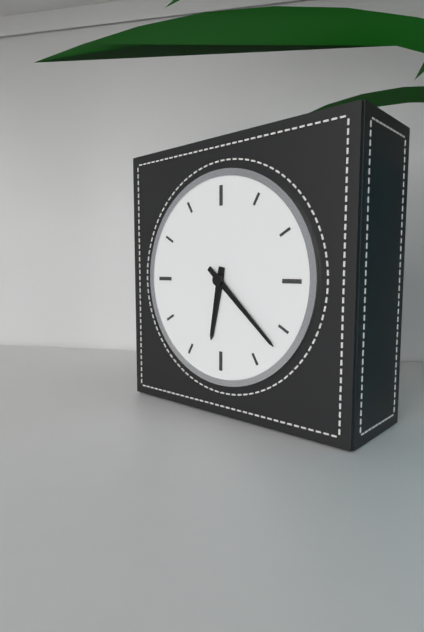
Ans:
6,22
